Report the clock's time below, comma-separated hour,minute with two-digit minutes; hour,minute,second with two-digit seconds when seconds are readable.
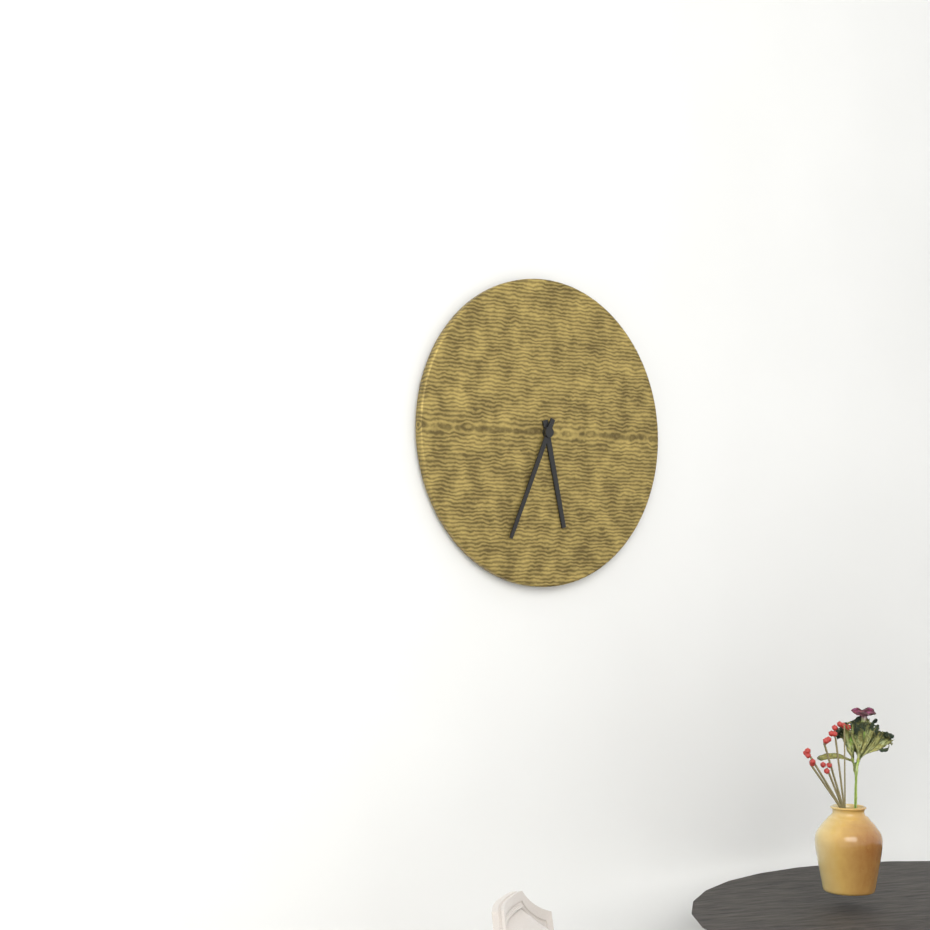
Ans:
5,34
